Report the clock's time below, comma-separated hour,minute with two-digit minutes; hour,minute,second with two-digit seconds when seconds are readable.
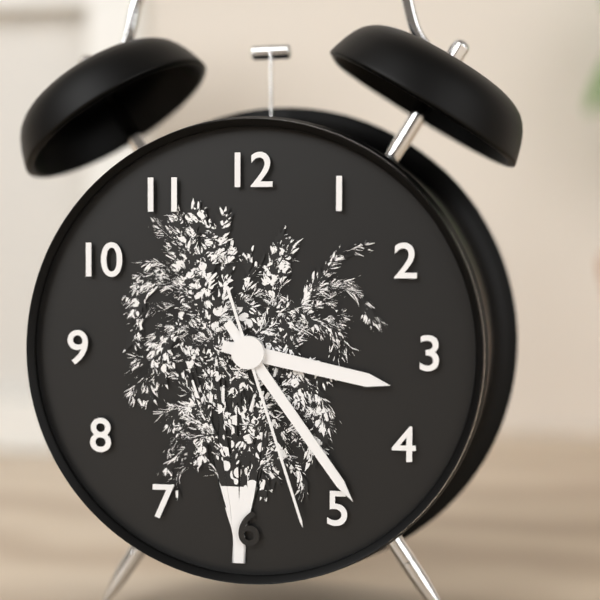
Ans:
3,24,27
